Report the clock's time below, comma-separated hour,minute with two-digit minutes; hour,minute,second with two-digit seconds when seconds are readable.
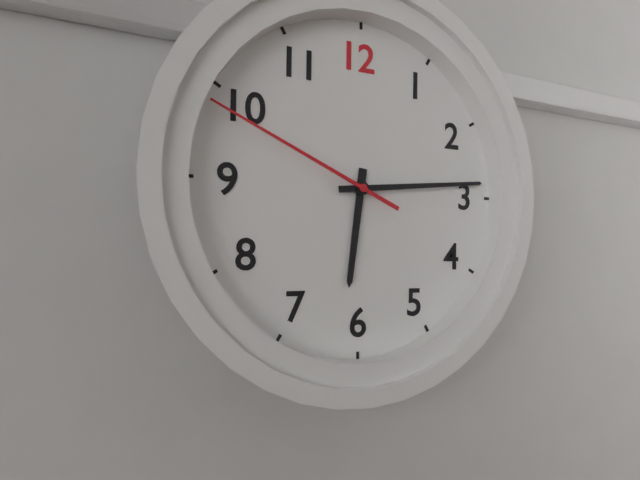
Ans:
6,14,49
